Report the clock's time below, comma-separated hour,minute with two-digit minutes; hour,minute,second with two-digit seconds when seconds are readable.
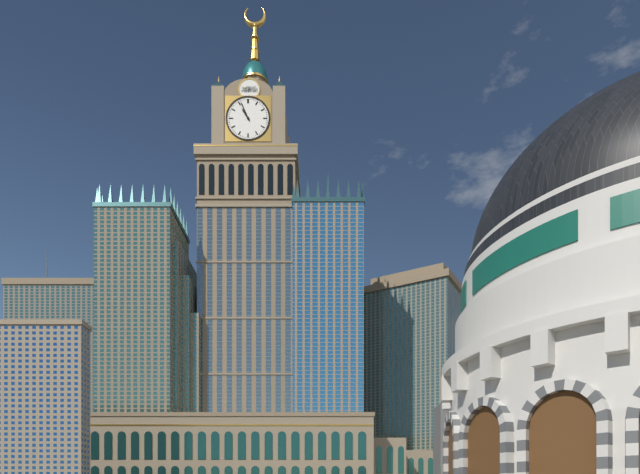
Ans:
10,56
